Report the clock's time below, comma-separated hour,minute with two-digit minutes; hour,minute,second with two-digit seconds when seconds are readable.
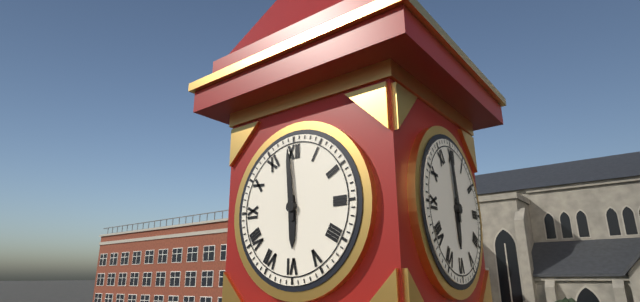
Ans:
5,59
